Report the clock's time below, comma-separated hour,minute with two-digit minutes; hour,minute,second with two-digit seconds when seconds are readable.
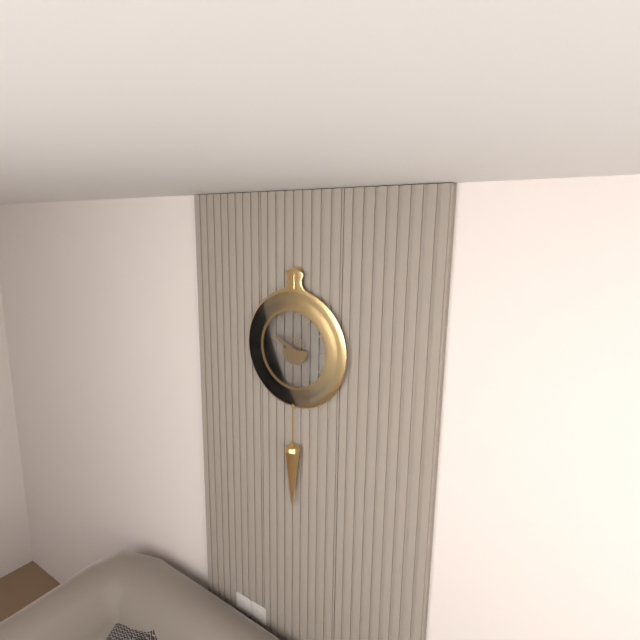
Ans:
9,48
